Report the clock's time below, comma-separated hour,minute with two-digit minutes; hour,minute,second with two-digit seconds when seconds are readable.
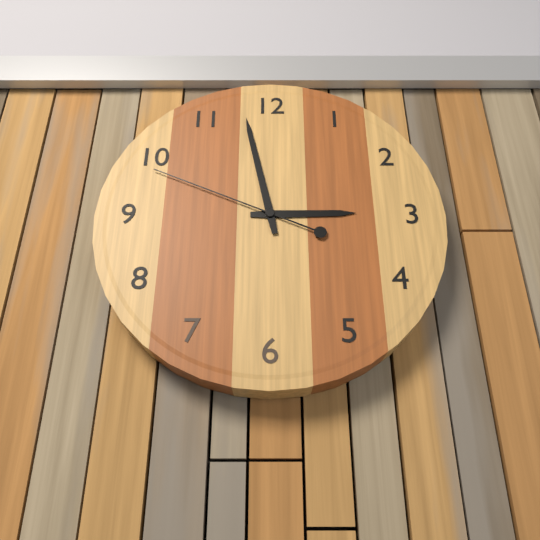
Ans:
2,58,49
